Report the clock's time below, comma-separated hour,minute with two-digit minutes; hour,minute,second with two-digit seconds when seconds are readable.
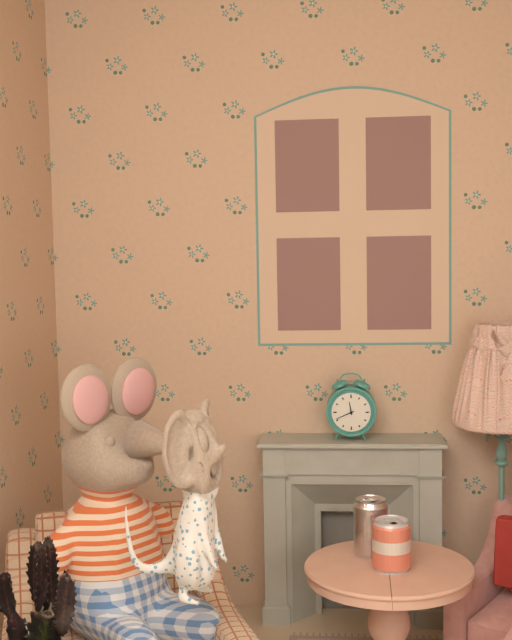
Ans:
11,41
